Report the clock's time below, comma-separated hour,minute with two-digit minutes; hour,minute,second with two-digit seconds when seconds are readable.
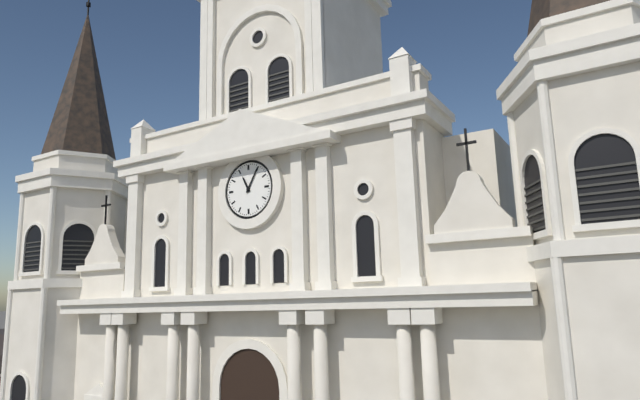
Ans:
11,05
